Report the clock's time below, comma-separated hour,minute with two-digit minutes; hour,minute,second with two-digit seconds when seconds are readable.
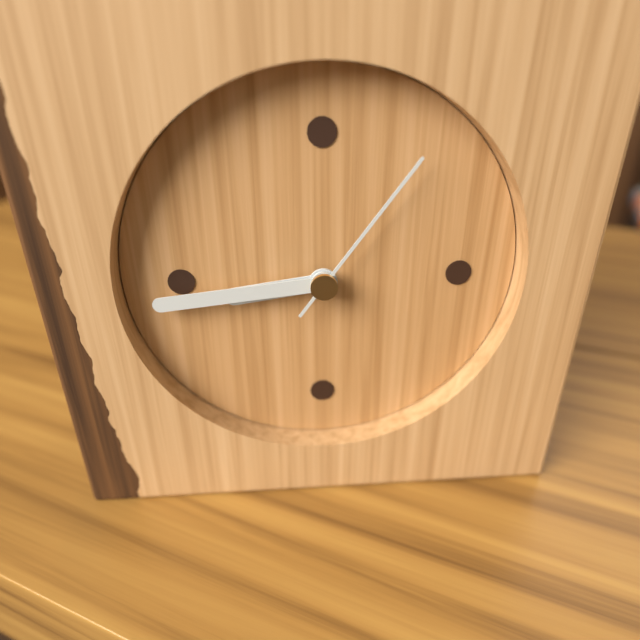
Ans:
8,44,06
